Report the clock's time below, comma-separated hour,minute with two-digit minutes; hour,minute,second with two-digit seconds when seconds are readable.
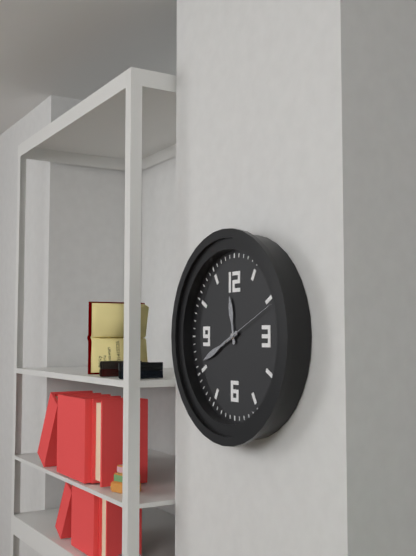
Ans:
11,41,11
